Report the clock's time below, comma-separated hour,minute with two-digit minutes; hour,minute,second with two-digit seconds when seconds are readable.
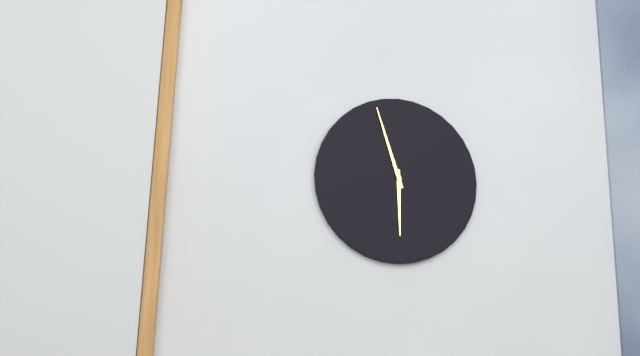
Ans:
5,57
